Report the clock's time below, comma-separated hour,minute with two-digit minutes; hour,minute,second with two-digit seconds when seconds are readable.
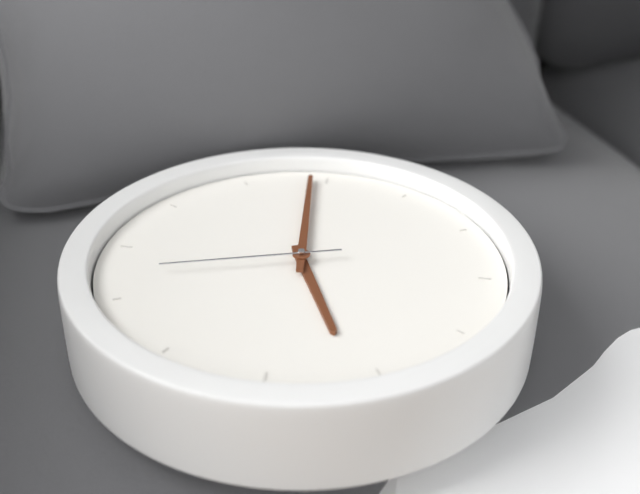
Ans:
8,14,57
